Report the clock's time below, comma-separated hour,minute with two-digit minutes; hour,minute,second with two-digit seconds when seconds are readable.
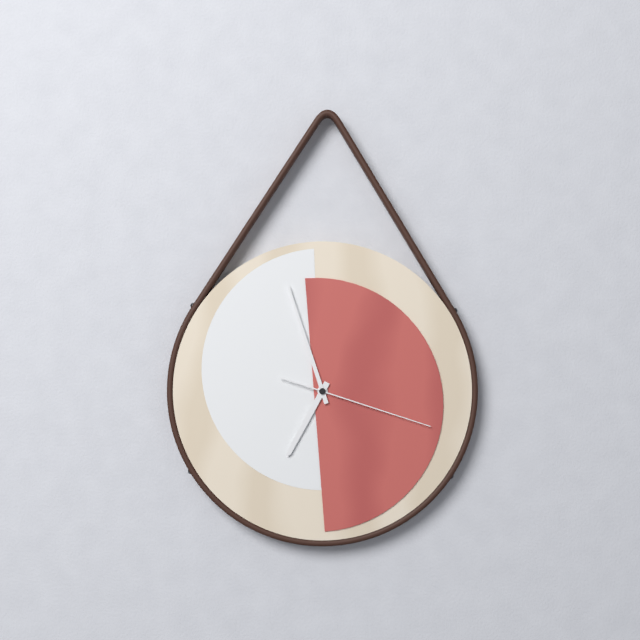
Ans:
6,57,18
